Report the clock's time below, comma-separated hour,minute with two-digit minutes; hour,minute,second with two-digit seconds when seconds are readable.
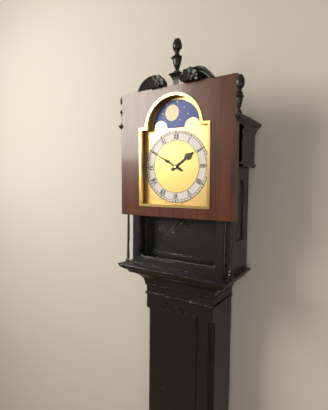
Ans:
1,50
